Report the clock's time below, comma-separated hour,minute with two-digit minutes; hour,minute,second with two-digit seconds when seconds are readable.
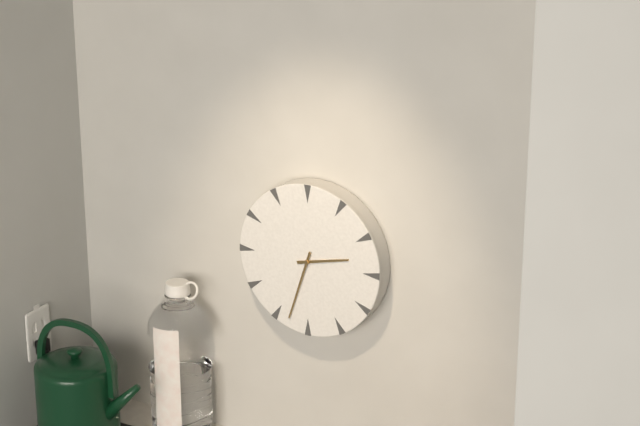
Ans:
2,33
